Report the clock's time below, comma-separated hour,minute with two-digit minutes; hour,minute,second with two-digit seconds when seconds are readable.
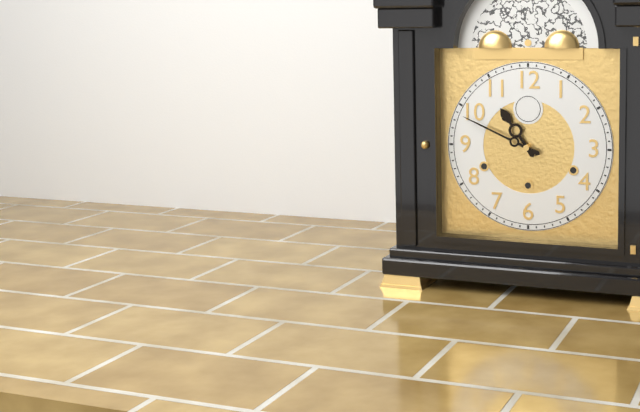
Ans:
10,49
